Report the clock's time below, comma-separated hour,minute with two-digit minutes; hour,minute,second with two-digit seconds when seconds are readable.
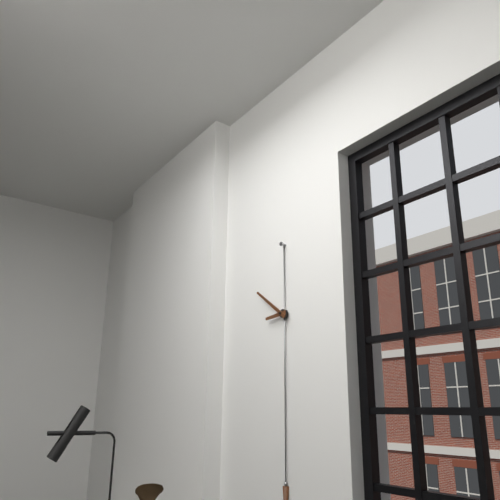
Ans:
8,51
